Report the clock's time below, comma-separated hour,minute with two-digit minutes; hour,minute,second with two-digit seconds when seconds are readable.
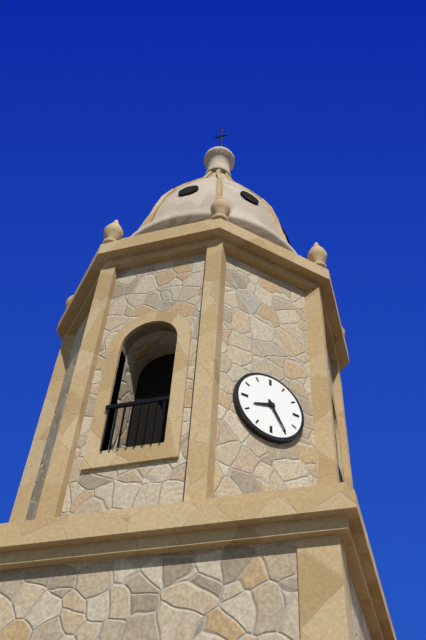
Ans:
8,25
